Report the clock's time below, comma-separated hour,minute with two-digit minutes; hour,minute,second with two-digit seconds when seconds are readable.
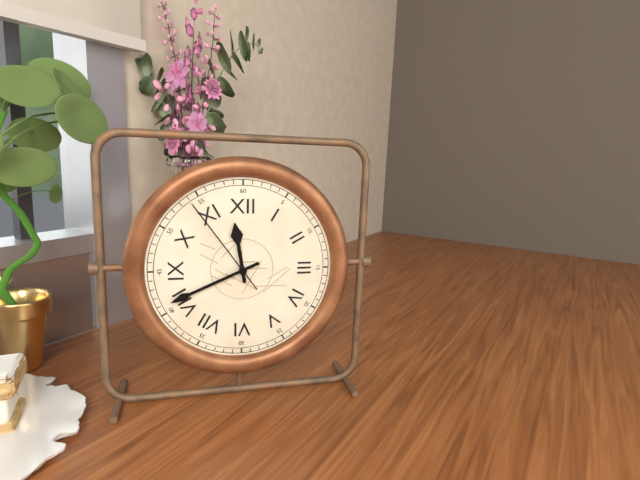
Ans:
11,41,54
